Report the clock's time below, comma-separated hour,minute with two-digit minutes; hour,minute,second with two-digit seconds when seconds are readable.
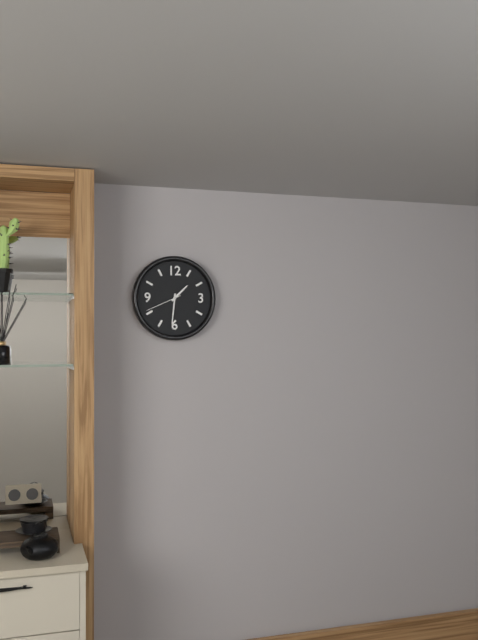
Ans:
1,31
